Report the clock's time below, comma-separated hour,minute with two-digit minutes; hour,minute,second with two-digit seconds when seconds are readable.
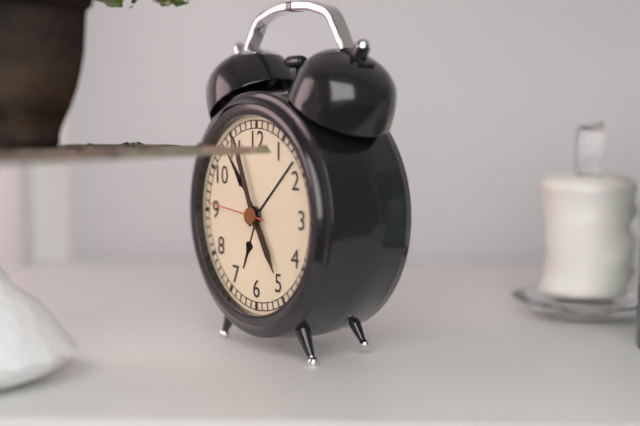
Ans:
4,56,46
